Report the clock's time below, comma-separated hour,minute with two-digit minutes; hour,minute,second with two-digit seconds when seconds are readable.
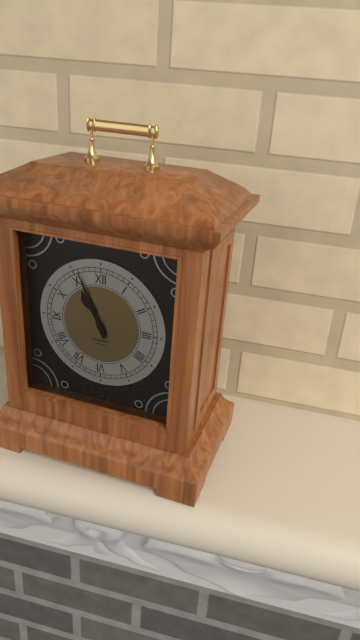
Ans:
10,56
